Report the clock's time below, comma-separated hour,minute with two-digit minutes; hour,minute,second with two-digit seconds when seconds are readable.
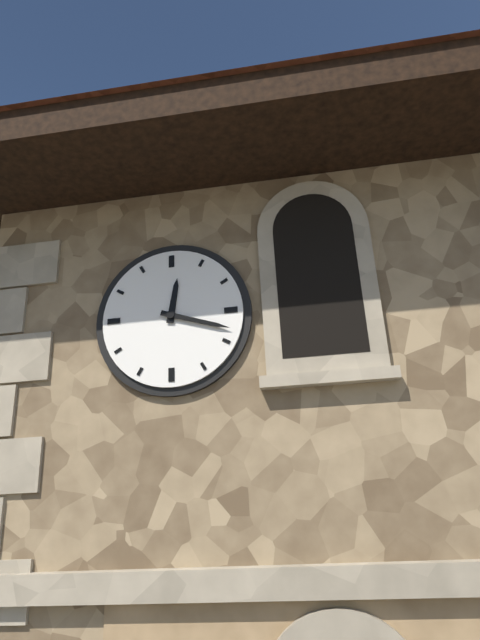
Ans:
12,18
